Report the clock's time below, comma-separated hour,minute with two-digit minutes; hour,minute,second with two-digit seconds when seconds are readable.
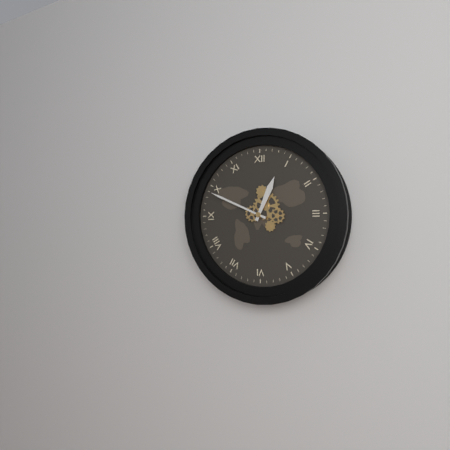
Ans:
12,49
